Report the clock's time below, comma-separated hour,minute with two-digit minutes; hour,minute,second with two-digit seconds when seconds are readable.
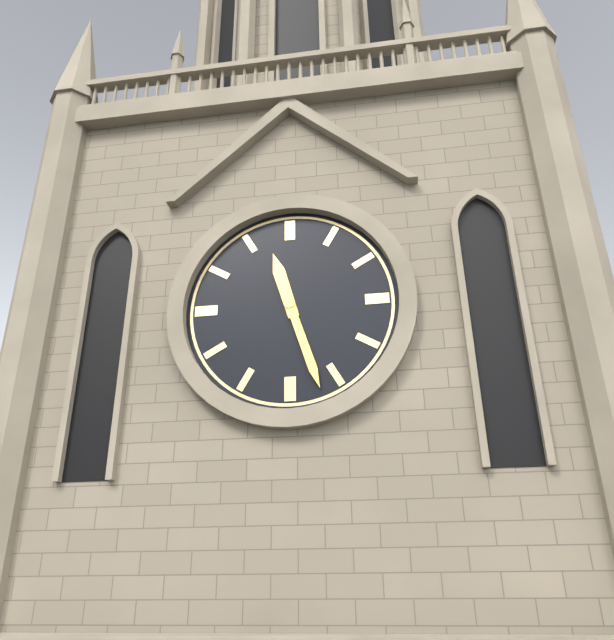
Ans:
11,27
